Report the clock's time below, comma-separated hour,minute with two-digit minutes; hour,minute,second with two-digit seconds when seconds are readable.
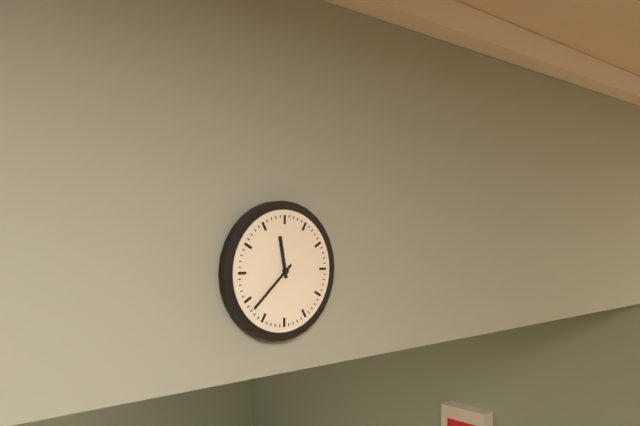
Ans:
11,38
